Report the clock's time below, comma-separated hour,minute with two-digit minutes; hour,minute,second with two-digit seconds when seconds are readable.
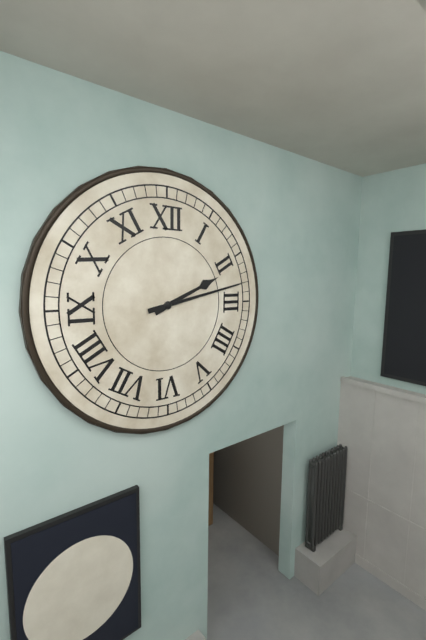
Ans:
2,13
